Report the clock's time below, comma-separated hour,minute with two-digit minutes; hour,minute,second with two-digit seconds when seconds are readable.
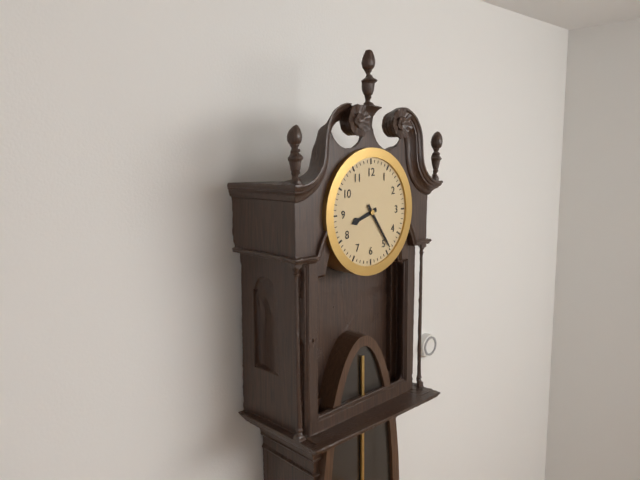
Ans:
8,24
